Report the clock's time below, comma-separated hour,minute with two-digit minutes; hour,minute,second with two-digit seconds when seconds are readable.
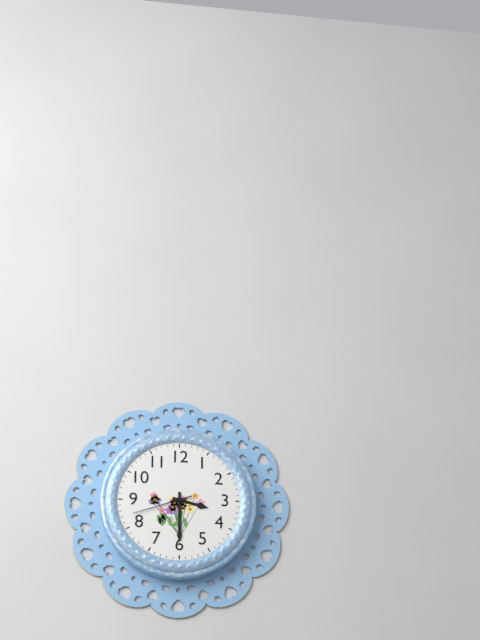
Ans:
3,30,42
